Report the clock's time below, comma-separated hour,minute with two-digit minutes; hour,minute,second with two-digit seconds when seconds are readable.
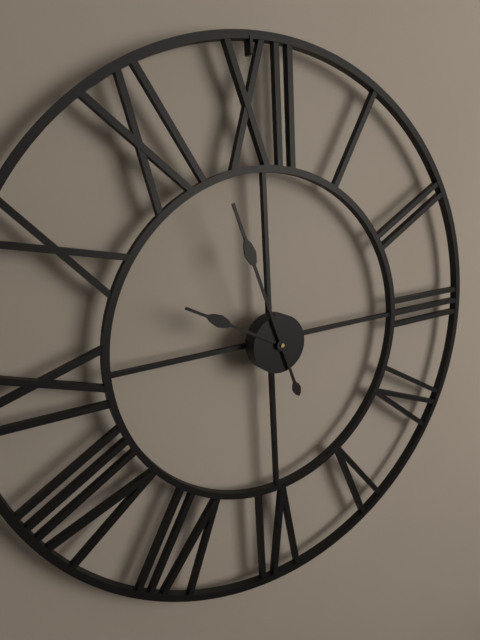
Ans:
9,57
